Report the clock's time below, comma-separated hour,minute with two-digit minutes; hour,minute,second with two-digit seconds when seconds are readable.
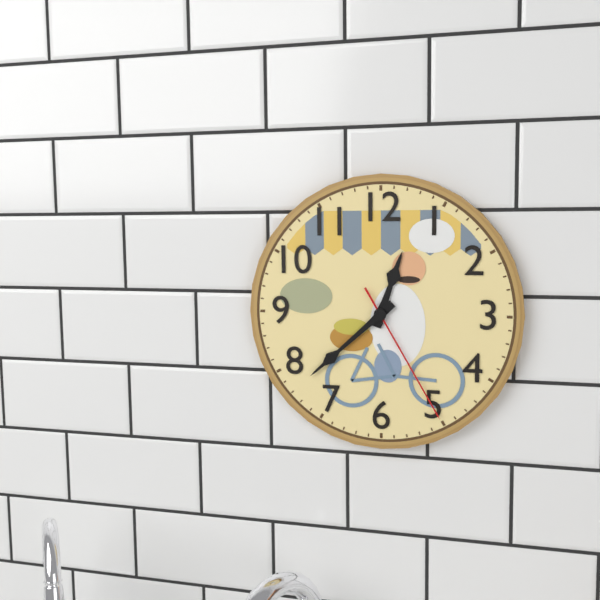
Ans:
12,38,25
